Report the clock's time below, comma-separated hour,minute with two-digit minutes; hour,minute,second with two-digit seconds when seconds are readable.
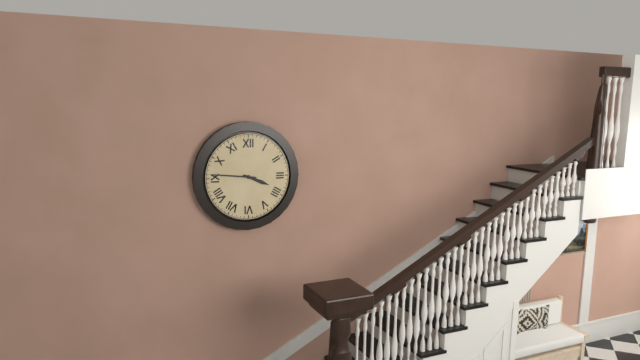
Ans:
3,46
